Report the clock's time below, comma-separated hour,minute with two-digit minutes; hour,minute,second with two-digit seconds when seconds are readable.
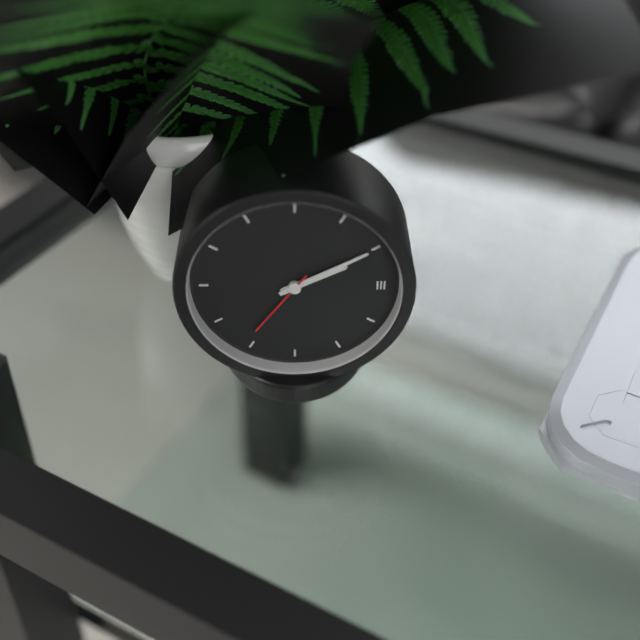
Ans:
2,10,36
